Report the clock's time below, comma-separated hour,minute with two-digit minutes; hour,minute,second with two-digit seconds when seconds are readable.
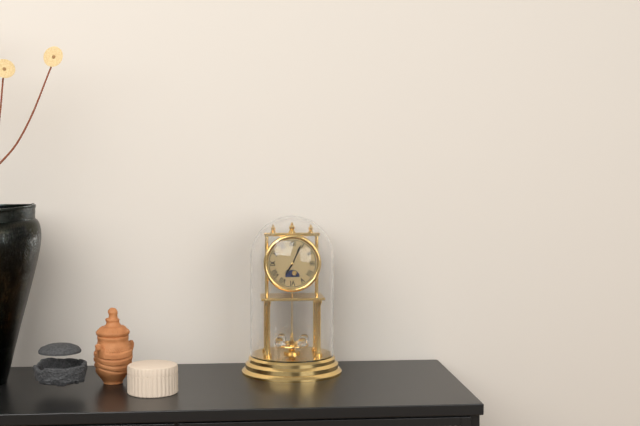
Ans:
7,04
